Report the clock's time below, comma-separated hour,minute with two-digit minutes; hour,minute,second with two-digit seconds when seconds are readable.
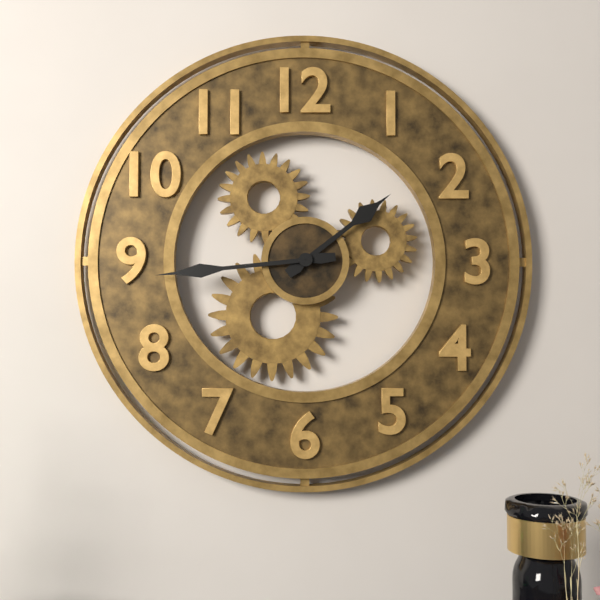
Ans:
1,44
